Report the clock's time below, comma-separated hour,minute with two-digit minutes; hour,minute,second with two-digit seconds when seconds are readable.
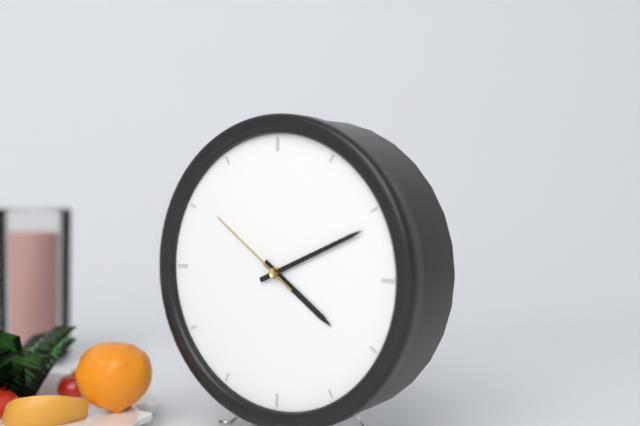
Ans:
4,11,51
